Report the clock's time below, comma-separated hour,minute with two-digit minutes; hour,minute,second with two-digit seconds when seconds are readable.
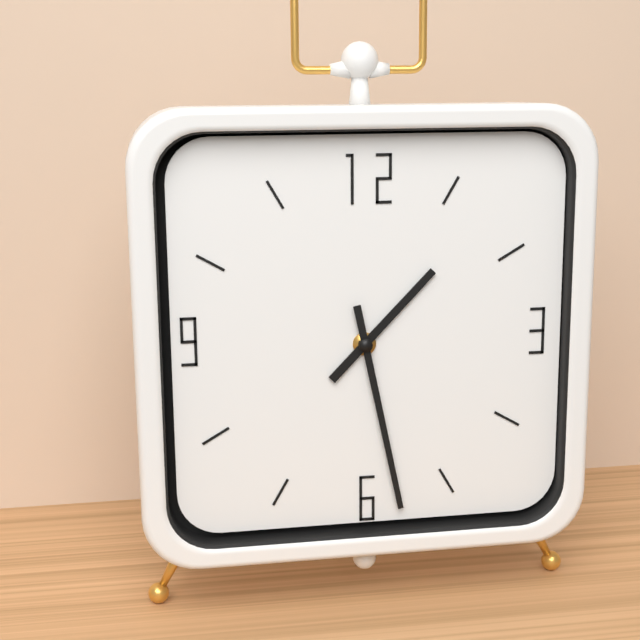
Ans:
1,28
